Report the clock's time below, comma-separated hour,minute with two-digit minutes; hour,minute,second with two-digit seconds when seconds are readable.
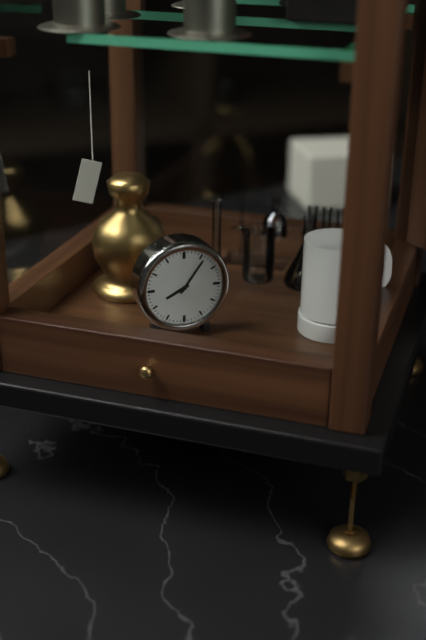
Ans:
8,06
